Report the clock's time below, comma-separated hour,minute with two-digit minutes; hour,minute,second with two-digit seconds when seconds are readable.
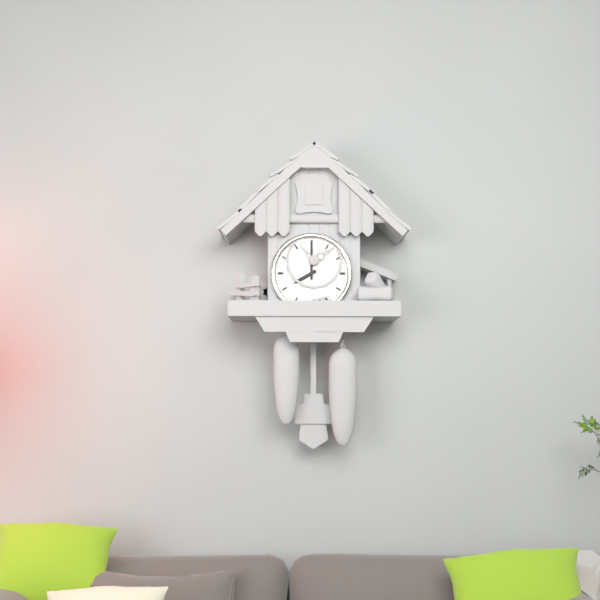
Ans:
8,00
